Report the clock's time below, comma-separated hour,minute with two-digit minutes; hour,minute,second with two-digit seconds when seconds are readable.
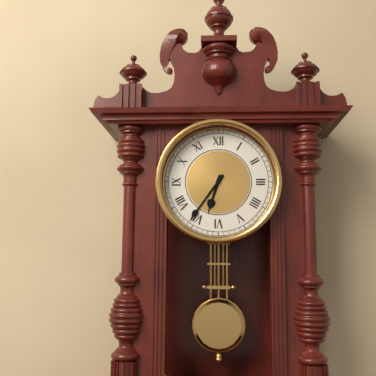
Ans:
6,36
